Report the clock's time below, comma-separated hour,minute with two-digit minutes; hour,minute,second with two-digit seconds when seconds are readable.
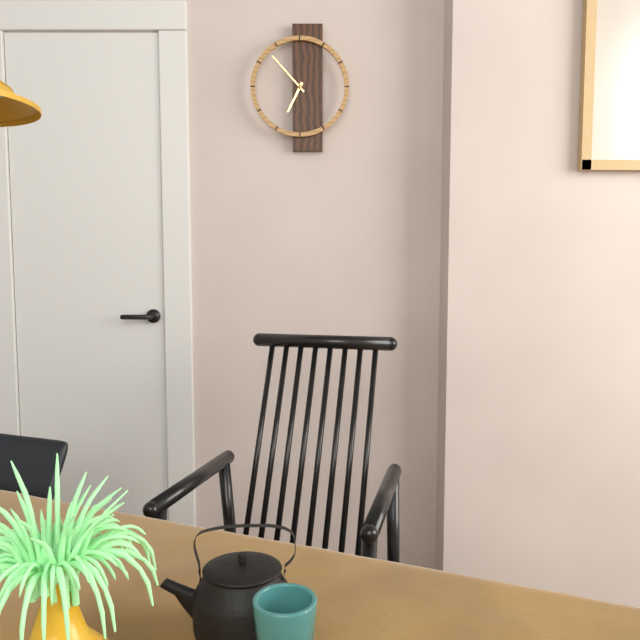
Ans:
6,53
